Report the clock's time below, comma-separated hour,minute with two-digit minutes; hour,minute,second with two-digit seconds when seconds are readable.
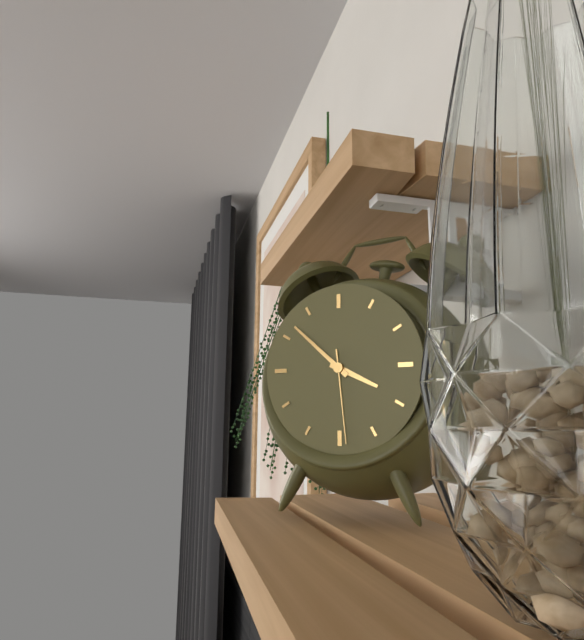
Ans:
3,52,29
